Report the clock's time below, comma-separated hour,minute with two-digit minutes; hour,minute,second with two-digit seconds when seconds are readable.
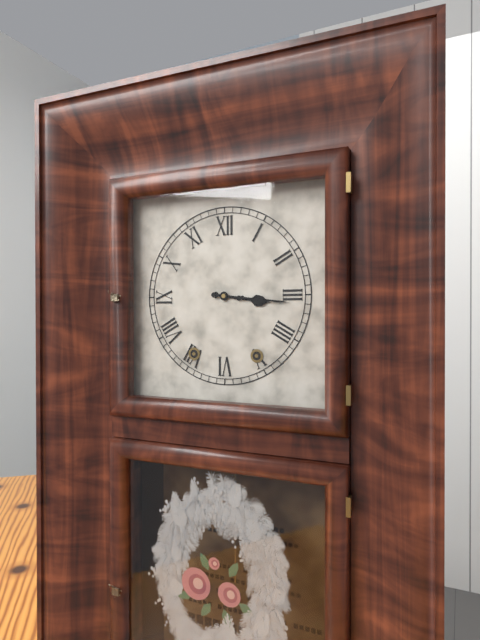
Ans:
3,16
